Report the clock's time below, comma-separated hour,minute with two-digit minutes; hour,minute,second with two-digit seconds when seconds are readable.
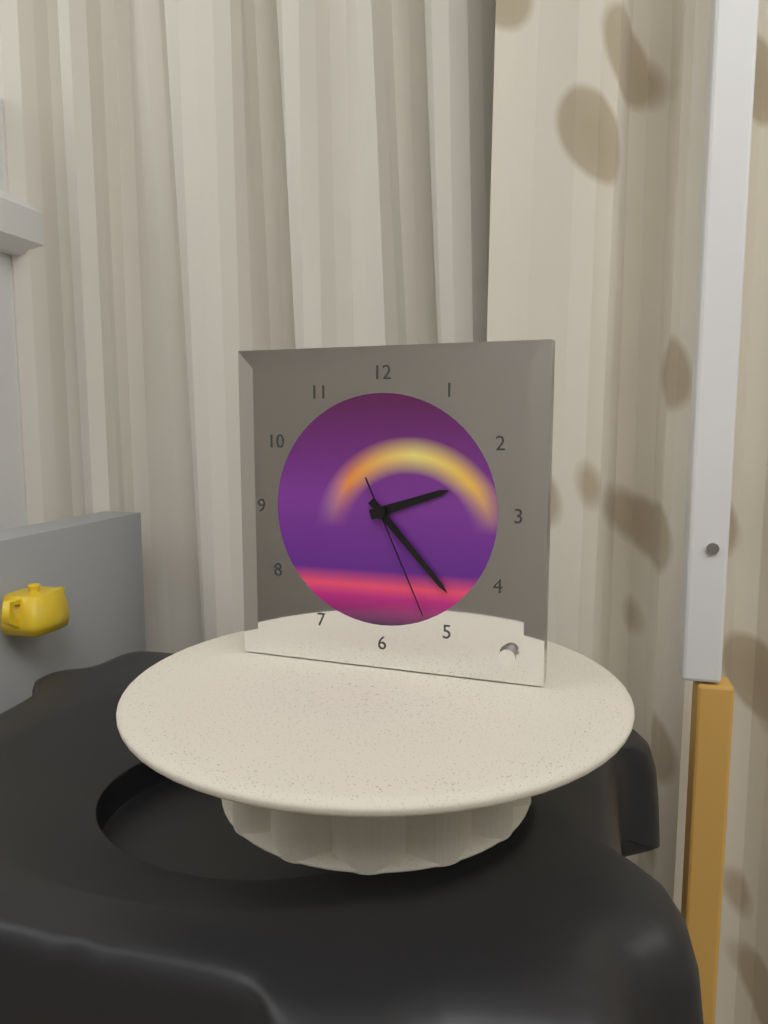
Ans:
2,23,26
